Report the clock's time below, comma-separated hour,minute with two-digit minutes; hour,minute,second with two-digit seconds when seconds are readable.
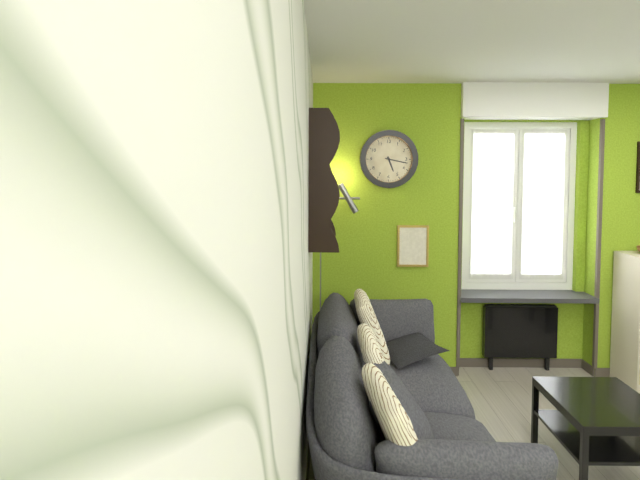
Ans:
5,17
